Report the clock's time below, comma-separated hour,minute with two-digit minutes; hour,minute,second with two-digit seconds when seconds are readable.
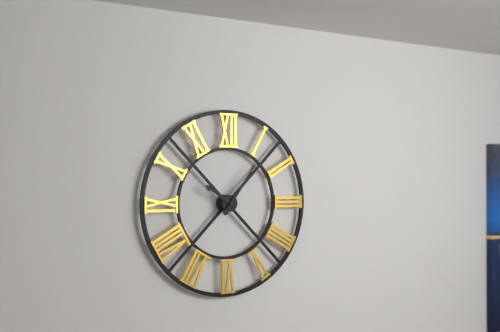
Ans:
10,06
